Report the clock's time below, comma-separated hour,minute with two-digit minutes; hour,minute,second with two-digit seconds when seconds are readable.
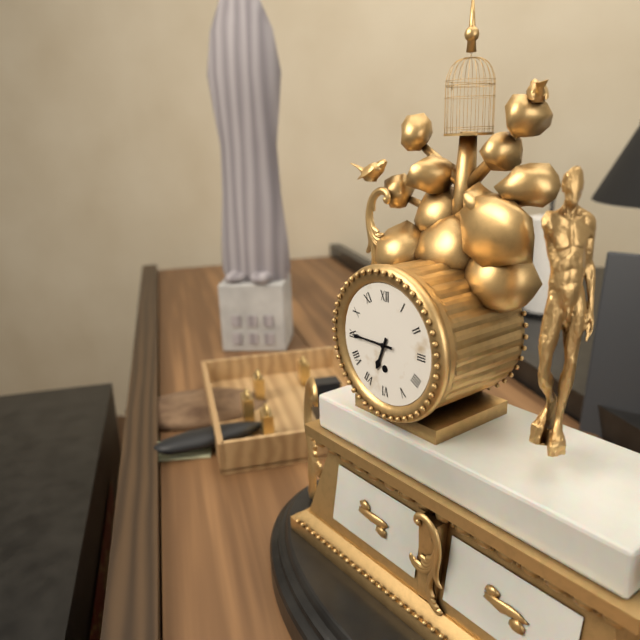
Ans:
6,45
